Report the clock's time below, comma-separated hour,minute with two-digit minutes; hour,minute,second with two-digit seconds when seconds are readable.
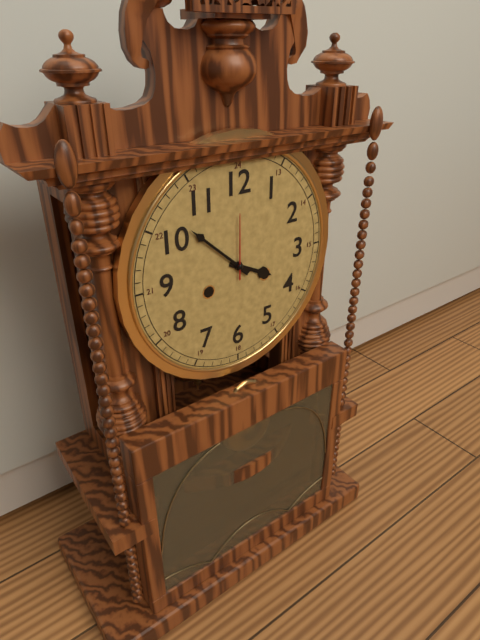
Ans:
3,52,00
